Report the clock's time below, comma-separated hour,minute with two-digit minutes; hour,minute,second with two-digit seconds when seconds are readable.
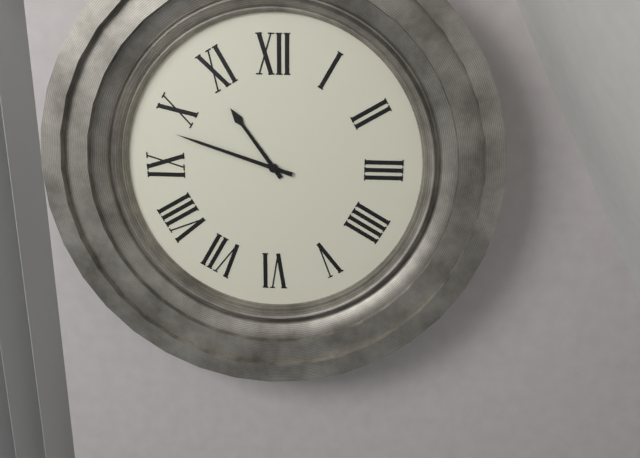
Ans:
10,48
